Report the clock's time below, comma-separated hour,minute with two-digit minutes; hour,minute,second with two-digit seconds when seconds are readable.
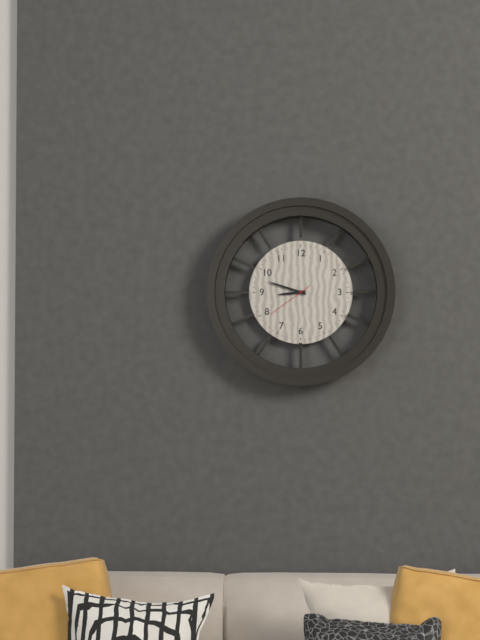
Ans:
8,48
